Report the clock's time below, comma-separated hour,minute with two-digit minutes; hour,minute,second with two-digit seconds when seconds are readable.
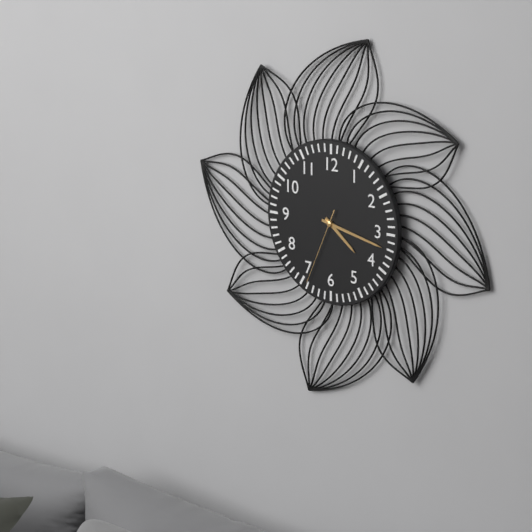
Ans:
4,17,34
